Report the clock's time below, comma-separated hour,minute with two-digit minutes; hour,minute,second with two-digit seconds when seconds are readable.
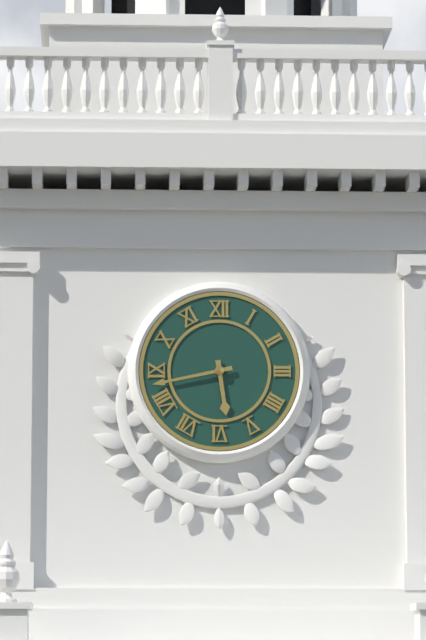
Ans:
5,43
